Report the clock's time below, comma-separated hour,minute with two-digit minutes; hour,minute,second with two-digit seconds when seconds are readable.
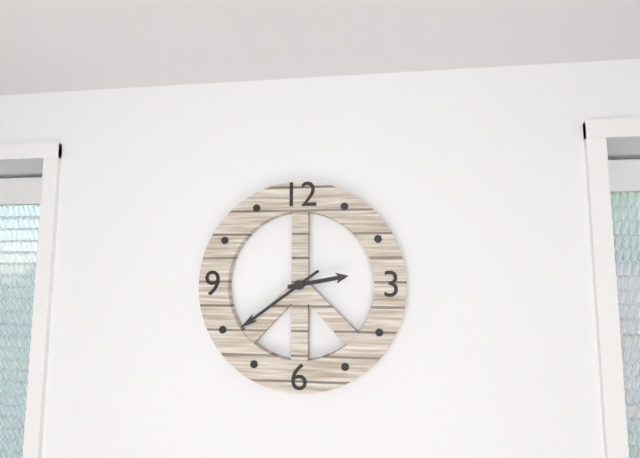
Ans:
2,39
